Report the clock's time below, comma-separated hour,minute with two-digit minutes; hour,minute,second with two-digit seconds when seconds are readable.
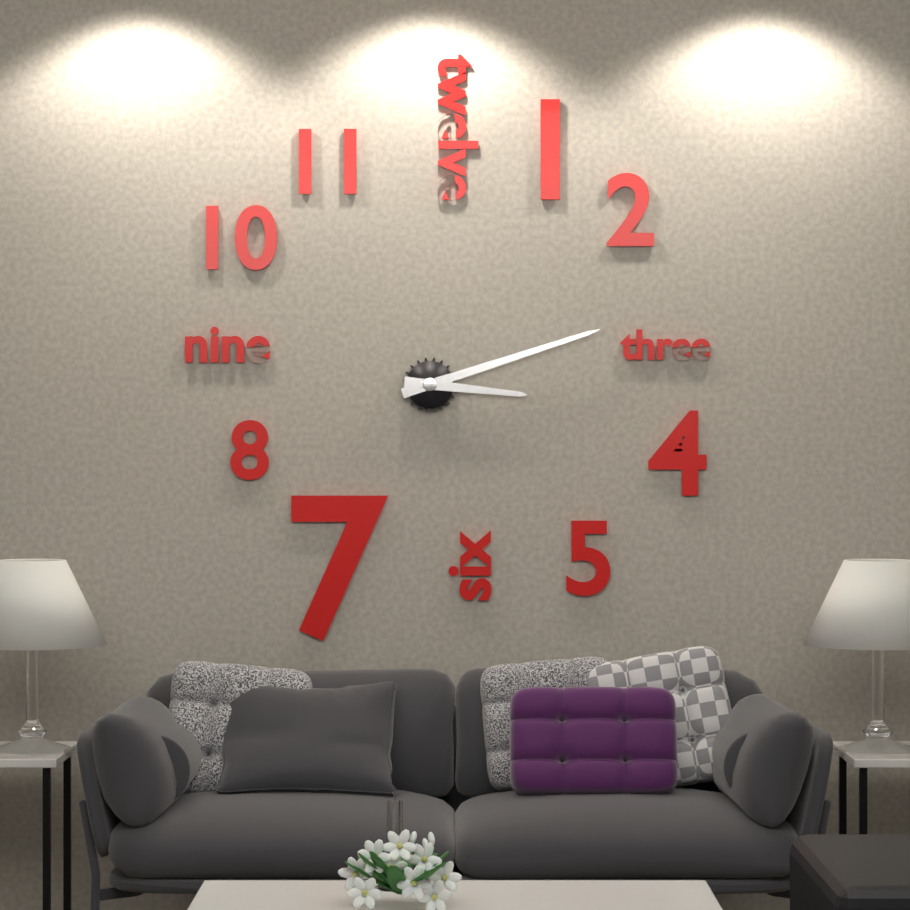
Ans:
3,12
